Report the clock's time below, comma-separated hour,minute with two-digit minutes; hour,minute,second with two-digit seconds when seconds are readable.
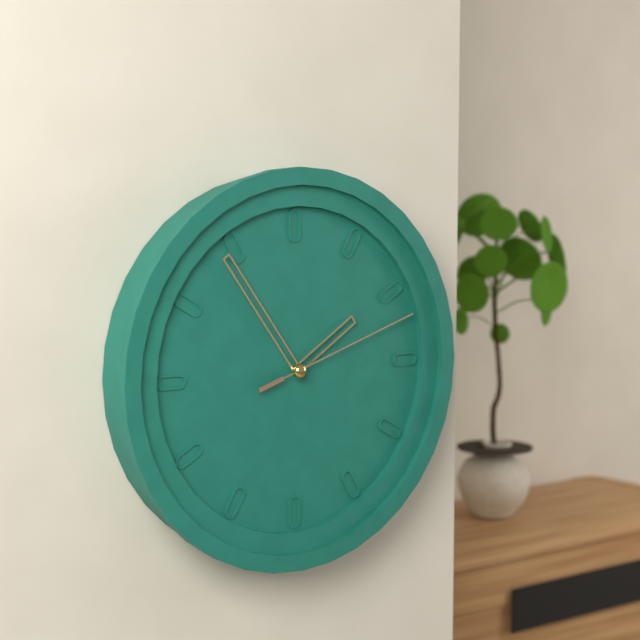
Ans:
1,54,12
